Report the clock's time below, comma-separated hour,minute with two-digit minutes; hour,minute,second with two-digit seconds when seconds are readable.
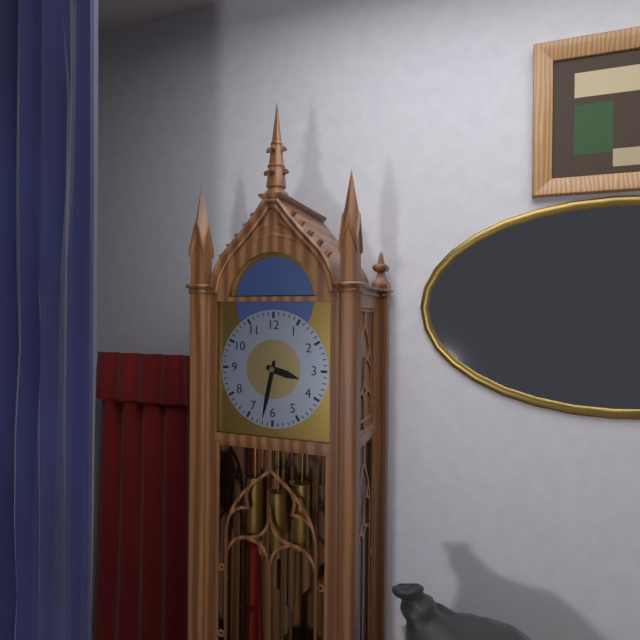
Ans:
3,32
